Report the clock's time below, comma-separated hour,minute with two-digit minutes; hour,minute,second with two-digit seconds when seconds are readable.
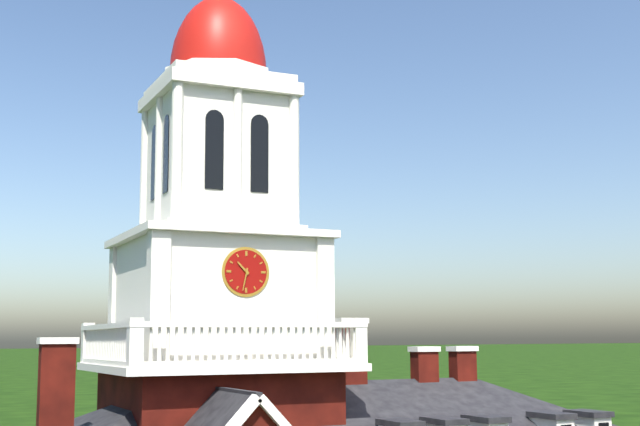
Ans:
10,32
